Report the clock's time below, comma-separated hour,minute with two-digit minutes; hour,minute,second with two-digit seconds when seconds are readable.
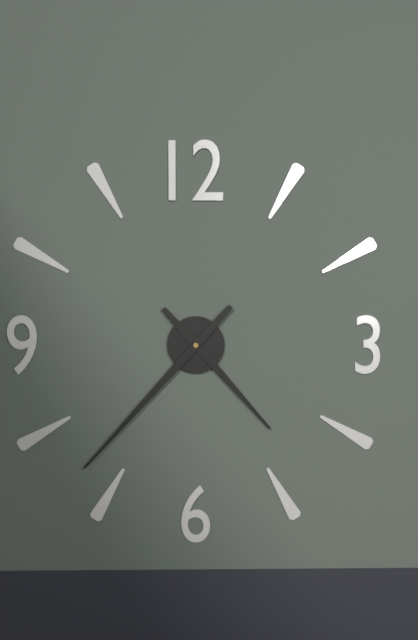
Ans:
4,37
